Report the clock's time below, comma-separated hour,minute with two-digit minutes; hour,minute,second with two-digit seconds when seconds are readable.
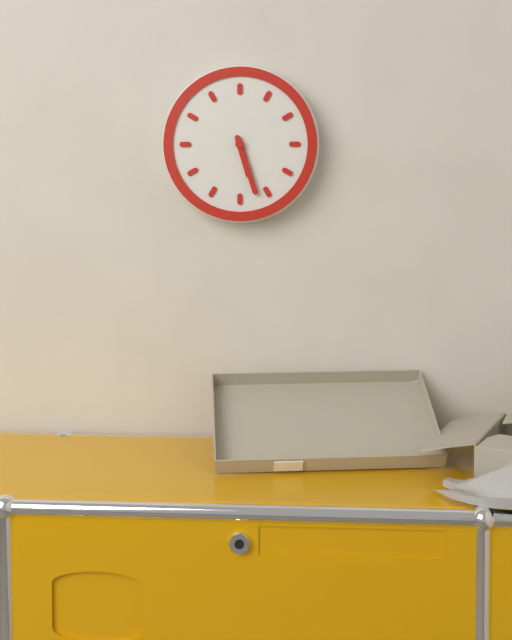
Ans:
5,27
